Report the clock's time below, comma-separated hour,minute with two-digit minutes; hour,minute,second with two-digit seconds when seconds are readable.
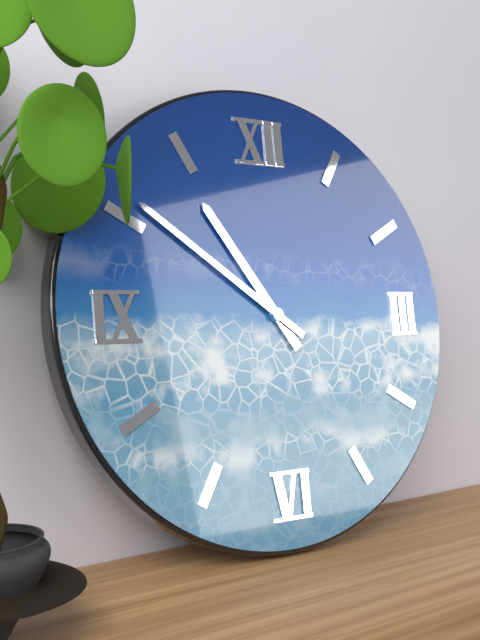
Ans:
10,51
